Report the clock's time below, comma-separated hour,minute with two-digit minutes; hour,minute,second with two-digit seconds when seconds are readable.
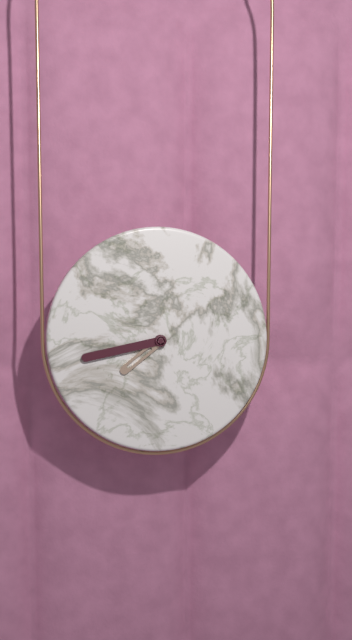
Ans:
7,43
